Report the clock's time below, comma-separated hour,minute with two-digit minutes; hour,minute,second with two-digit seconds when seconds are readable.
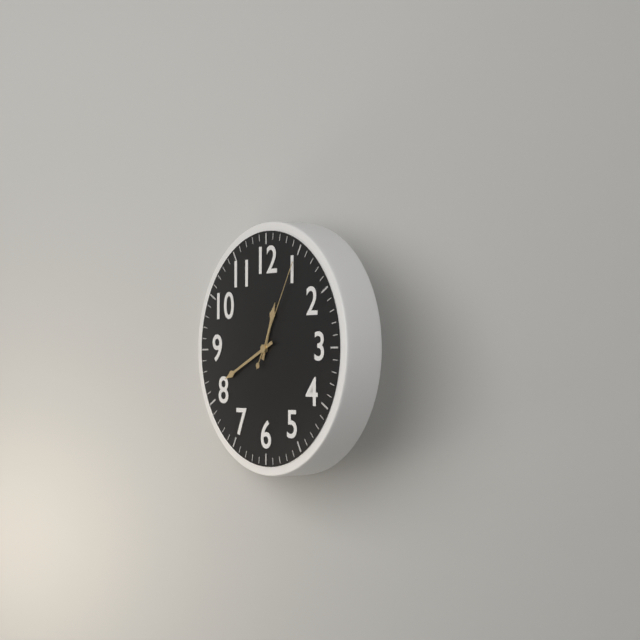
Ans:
12,41,05
